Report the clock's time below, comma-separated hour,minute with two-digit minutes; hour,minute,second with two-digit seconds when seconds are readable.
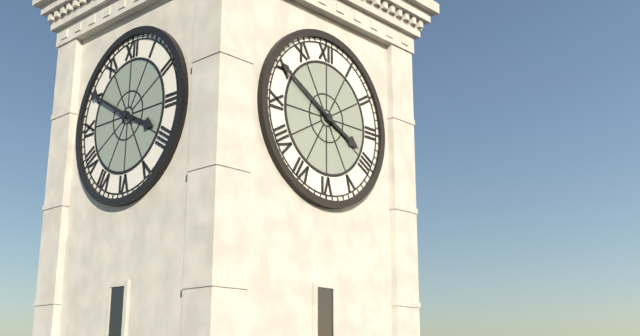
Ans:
3,50
